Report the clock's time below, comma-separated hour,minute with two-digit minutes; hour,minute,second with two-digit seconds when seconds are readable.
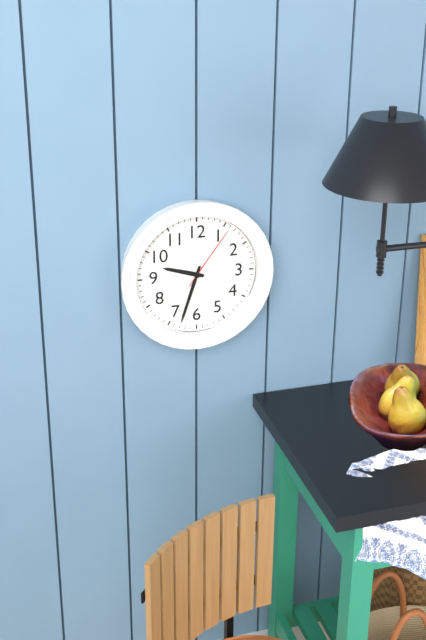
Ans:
9,33,06
